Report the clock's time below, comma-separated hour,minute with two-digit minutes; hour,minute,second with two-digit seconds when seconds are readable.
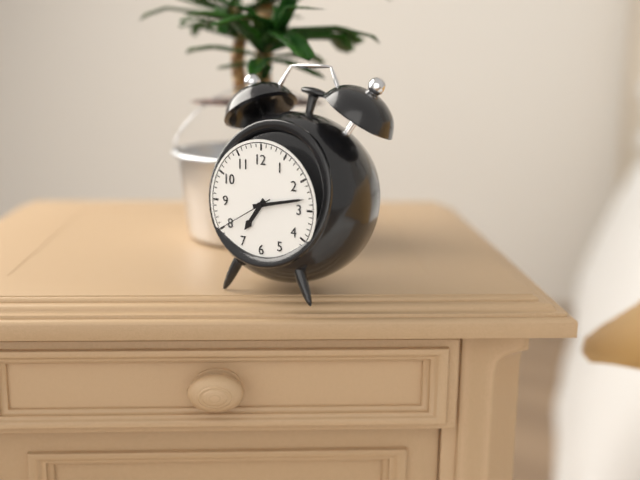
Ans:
7,13,40
